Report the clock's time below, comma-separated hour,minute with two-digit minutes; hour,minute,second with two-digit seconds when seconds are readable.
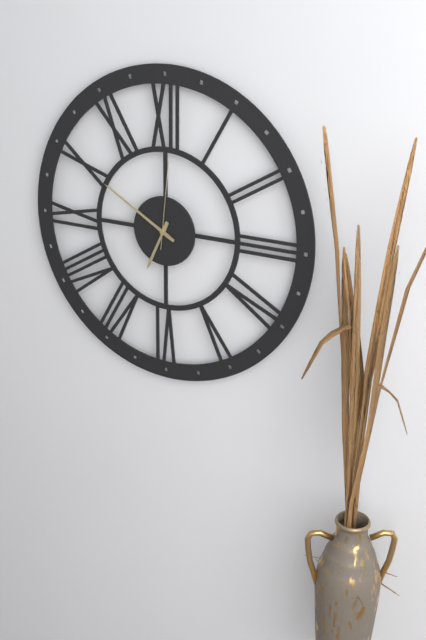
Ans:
6,50,01
